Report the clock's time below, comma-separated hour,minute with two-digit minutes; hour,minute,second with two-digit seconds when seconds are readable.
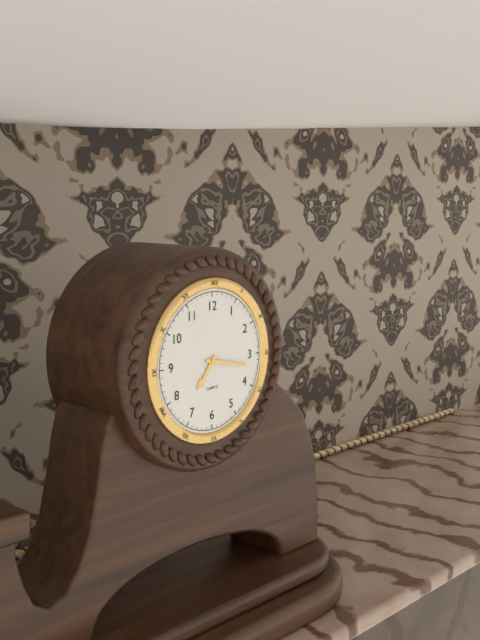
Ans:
7,17
